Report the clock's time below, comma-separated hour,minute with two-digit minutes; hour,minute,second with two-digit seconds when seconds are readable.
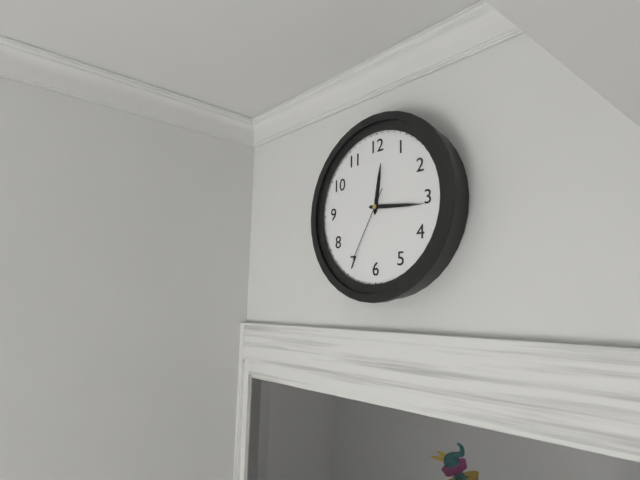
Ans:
12,16,35
